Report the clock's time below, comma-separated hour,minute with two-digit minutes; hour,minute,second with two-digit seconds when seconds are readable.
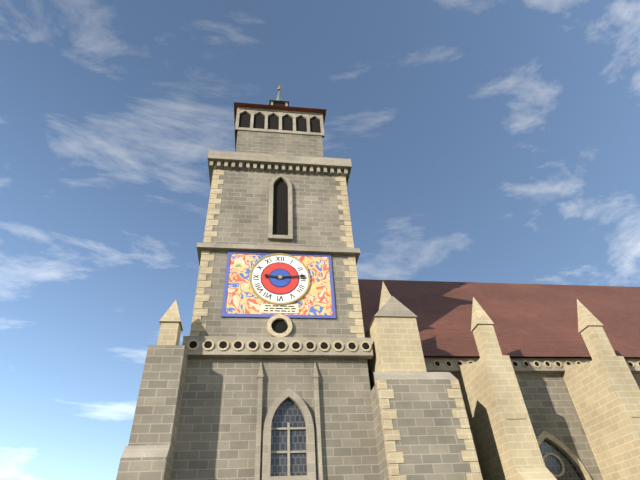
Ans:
9,14
